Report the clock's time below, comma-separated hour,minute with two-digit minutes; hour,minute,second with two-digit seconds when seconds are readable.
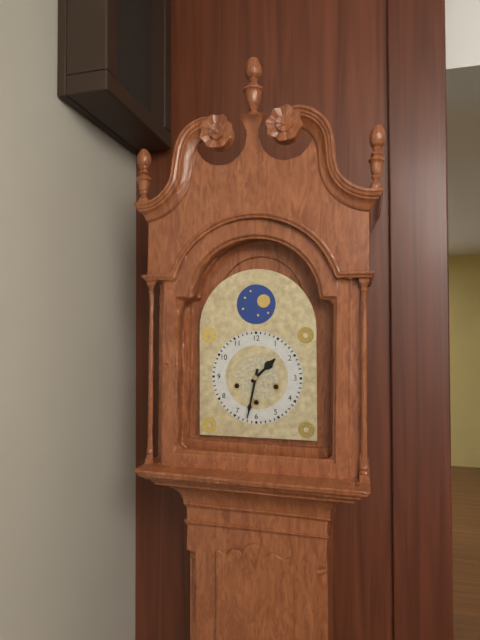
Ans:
1,32
